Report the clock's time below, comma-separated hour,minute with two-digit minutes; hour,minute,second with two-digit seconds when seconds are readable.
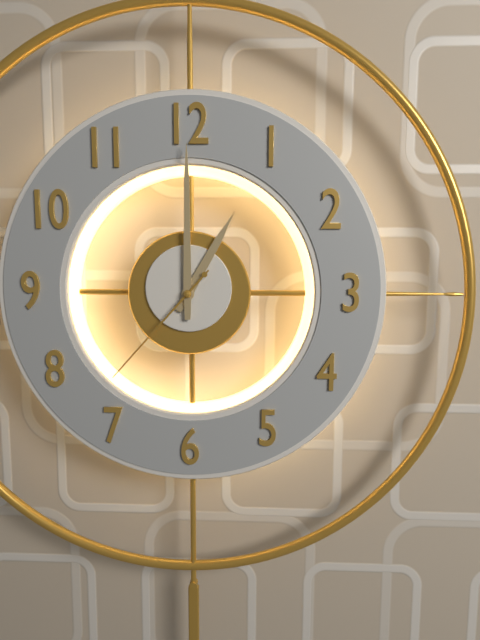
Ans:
1,00,37
